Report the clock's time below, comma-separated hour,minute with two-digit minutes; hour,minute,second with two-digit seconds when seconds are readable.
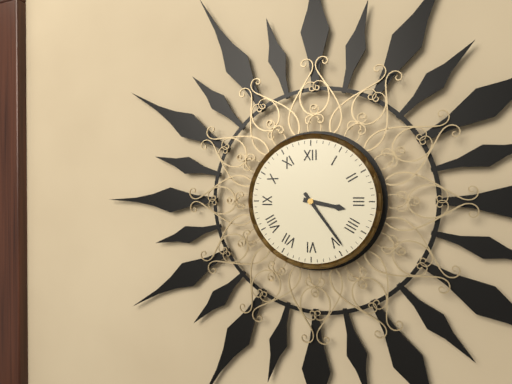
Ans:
3,24
